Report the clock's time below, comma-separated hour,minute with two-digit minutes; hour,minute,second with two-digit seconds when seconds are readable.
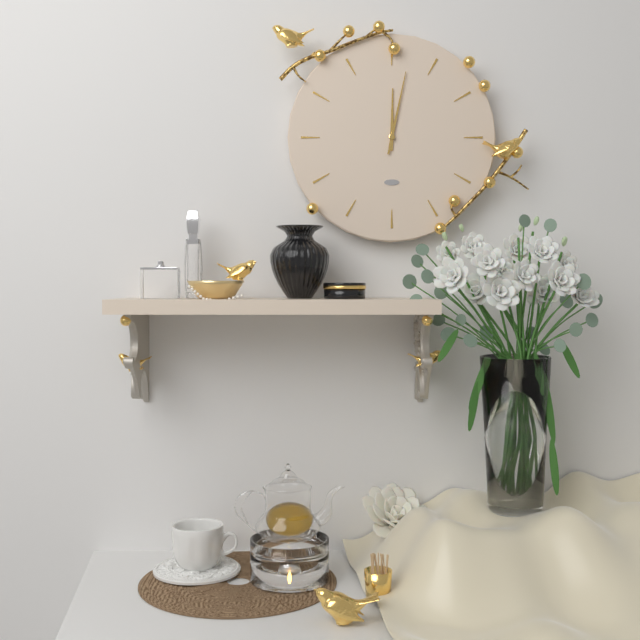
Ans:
12,02
